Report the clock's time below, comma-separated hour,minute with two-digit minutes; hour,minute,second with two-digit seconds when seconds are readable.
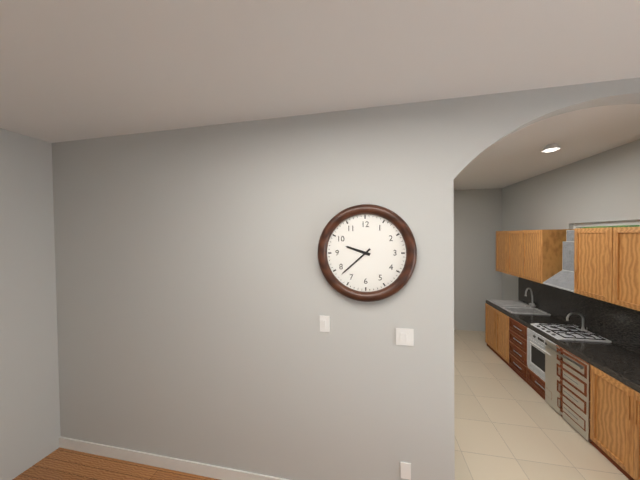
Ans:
9,38
